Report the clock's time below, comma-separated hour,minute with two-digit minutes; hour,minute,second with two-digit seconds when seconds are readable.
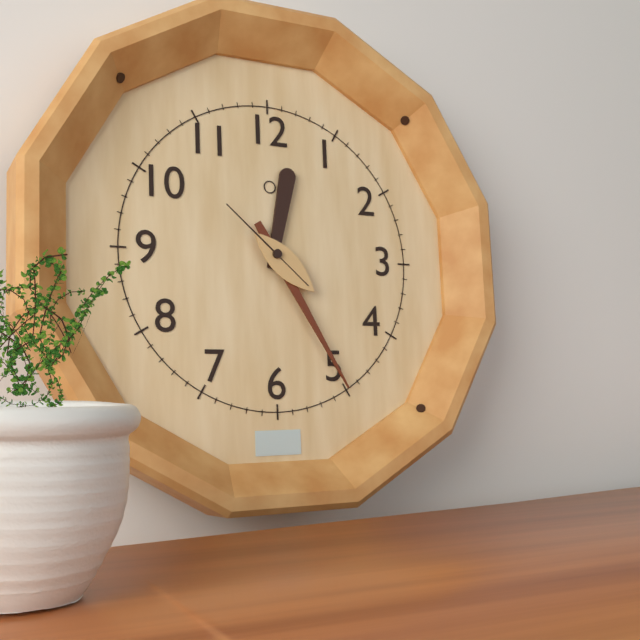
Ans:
12,25,52
